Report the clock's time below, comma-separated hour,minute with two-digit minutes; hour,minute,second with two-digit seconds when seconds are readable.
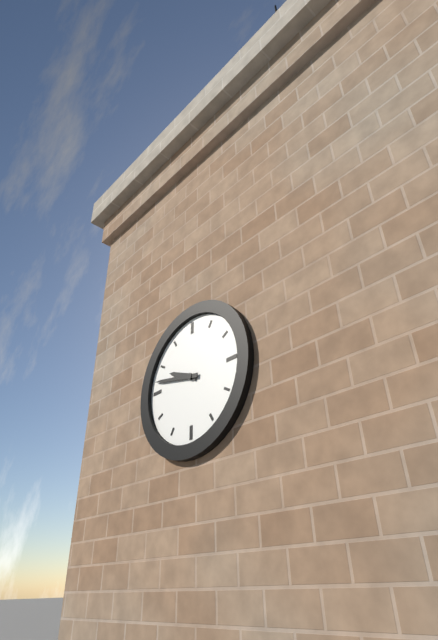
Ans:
9,47
